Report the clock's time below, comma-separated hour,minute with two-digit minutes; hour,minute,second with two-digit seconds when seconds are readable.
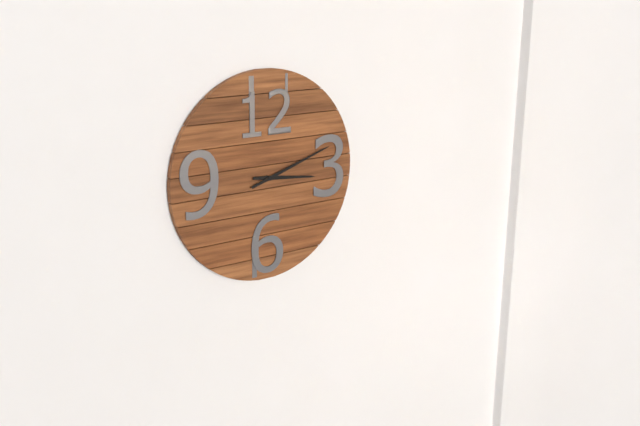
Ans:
3,12
